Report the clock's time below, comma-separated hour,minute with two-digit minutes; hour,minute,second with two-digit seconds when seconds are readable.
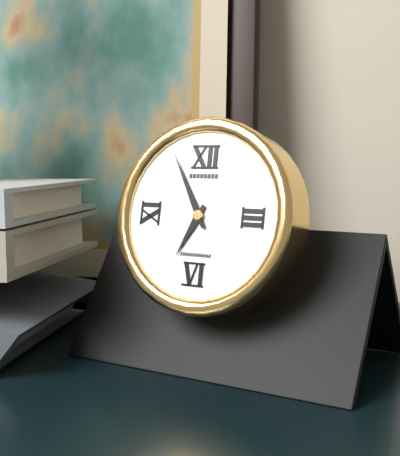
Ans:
6,55
